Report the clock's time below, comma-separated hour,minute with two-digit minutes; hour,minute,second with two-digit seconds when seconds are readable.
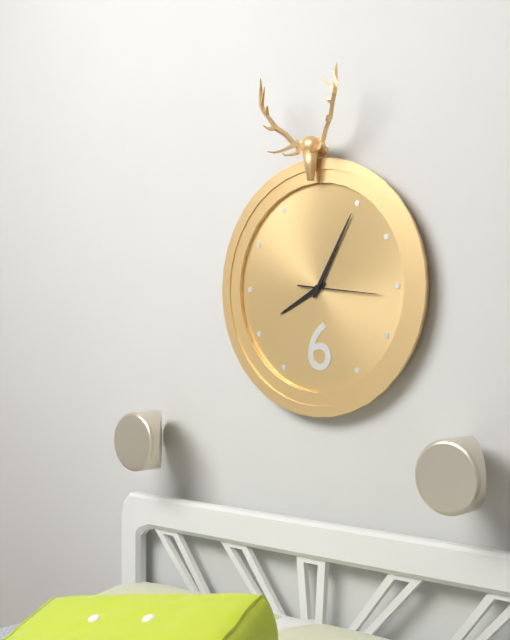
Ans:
8,05,16
